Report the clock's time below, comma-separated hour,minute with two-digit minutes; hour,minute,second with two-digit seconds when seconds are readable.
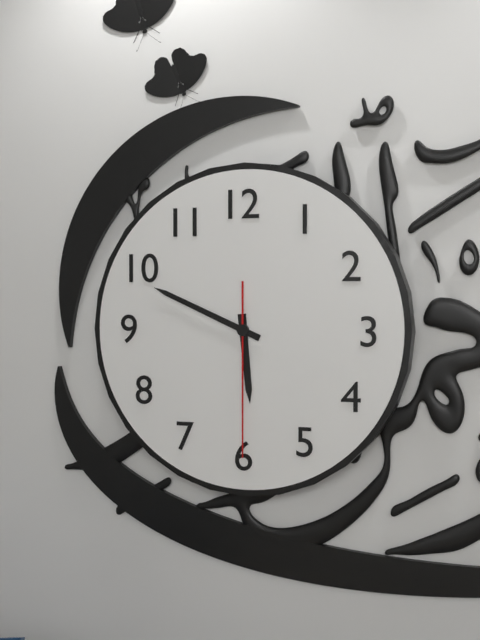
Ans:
5,49,30
